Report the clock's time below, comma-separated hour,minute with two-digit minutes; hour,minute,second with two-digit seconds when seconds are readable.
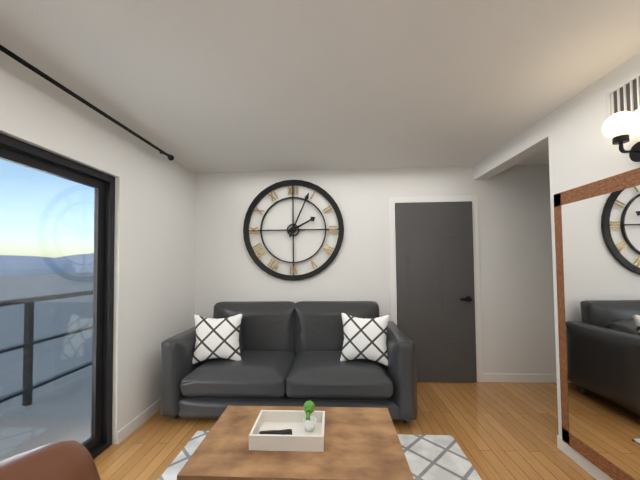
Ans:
2,04
